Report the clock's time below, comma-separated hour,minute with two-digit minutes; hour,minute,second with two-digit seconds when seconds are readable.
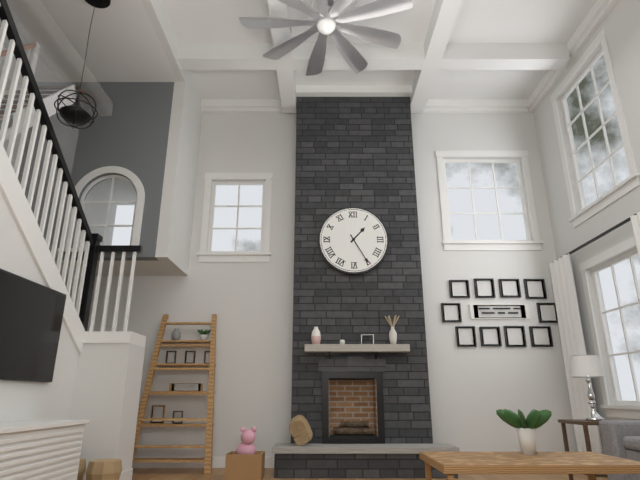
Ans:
1,25
